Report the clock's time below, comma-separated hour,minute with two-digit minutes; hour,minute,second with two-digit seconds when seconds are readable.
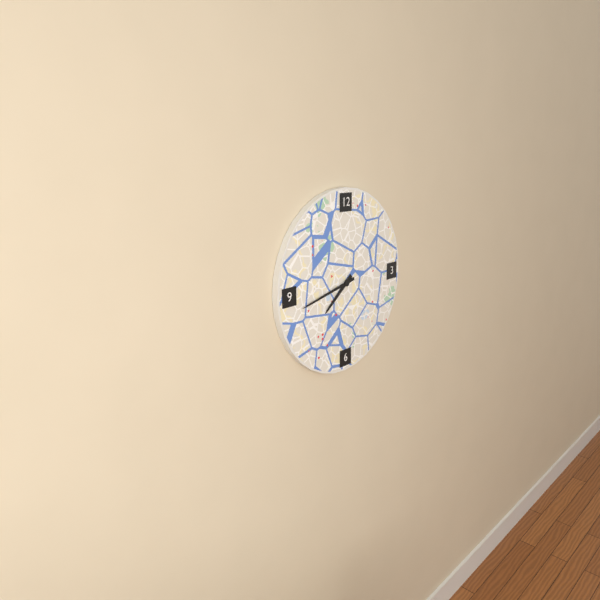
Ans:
7,43
